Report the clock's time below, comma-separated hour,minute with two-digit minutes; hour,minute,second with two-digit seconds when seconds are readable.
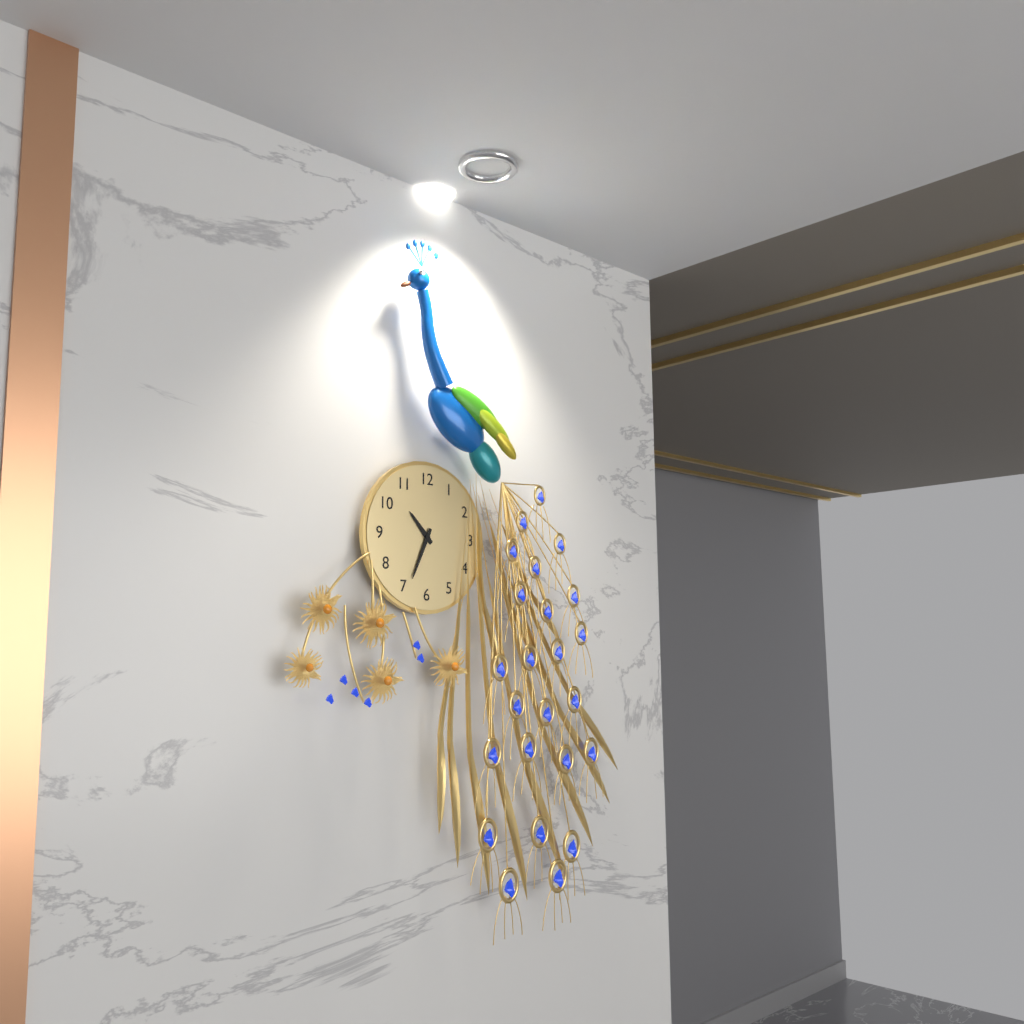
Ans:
10,34
